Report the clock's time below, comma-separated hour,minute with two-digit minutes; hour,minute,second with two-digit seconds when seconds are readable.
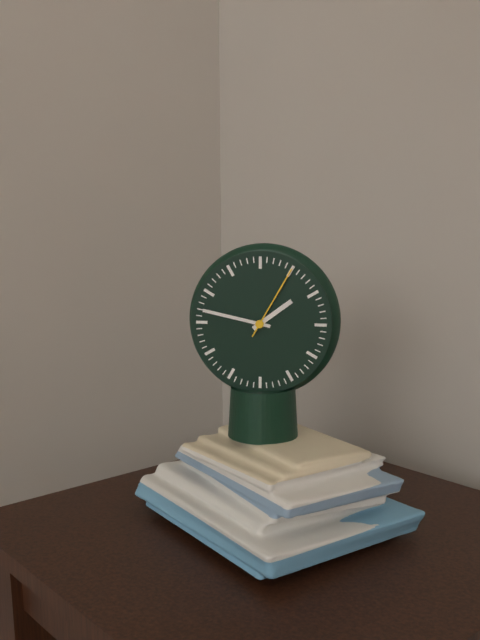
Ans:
1,47,05
